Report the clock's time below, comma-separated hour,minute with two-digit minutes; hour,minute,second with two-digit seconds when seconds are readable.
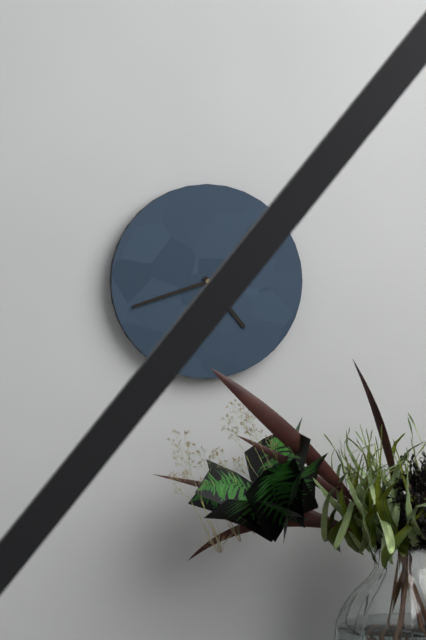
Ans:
4,42
